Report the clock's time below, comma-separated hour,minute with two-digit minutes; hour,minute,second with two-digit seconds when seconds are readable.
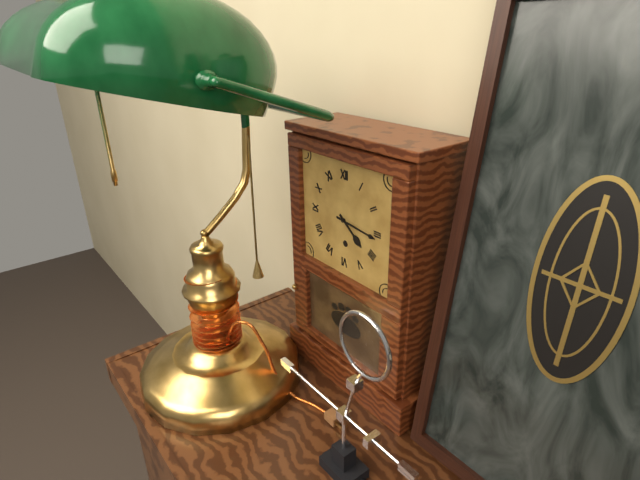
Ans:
4,16
